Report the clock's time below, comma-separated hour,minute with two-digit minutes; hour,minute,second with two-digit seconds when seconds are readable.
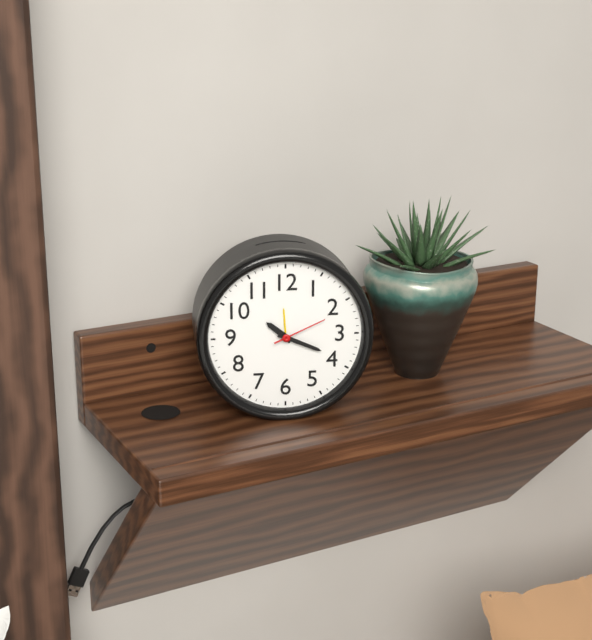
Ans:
10,19,11
